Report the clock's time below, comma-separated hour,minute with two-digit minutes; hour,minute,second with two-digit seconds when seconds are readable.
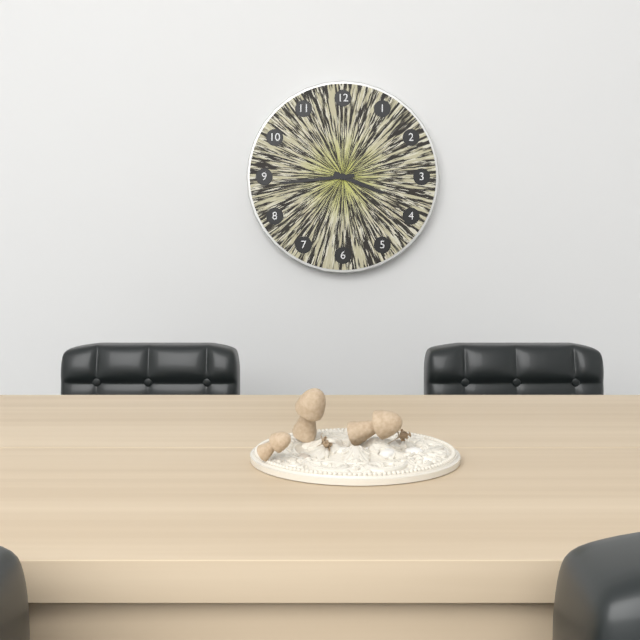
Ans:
3,44
